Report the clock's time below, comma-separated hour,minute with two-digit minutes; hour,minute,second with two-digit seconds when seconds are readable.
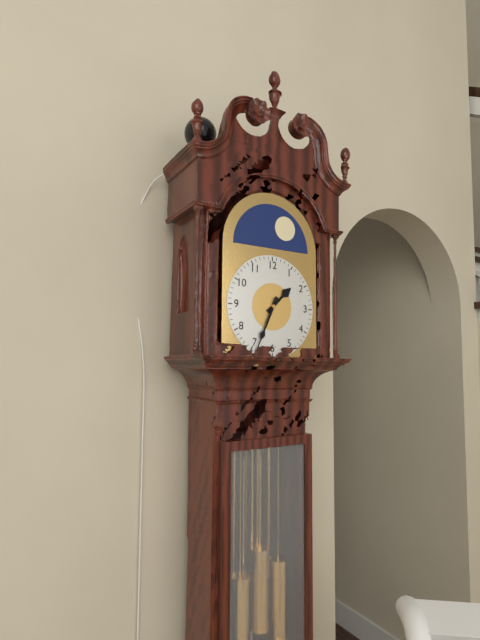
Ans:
1,34
